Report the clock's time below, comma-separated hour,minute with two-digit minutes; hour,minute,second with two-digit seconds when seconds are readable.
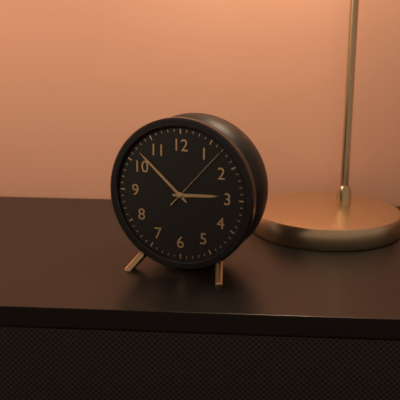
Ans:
2,52,07
